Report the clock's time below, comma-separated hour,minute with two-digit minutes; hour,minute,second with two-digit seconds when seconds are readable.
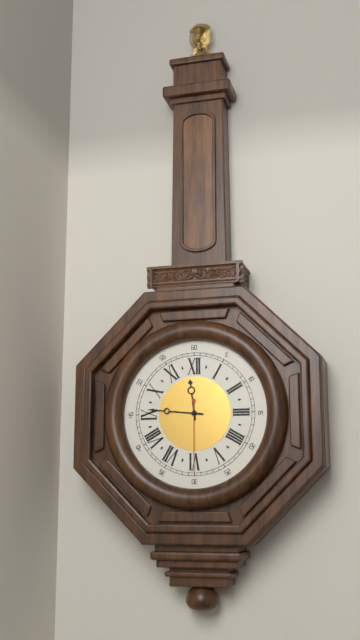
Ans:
11,46,30
